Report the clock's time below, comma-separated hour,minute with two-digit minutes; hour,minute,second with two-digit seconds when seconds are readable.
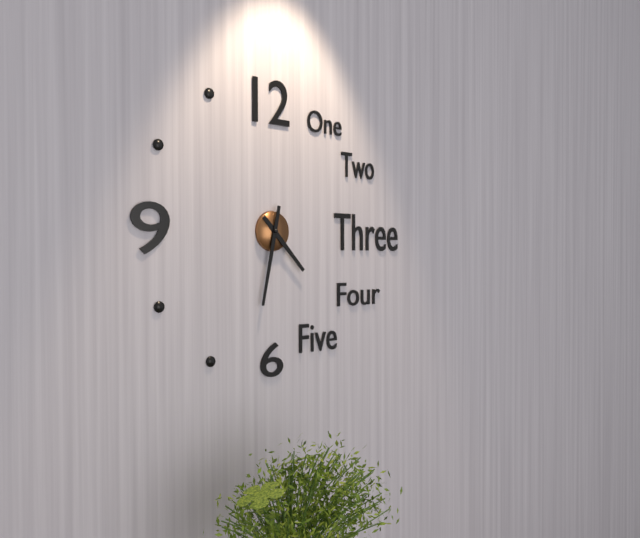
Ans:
4,32
